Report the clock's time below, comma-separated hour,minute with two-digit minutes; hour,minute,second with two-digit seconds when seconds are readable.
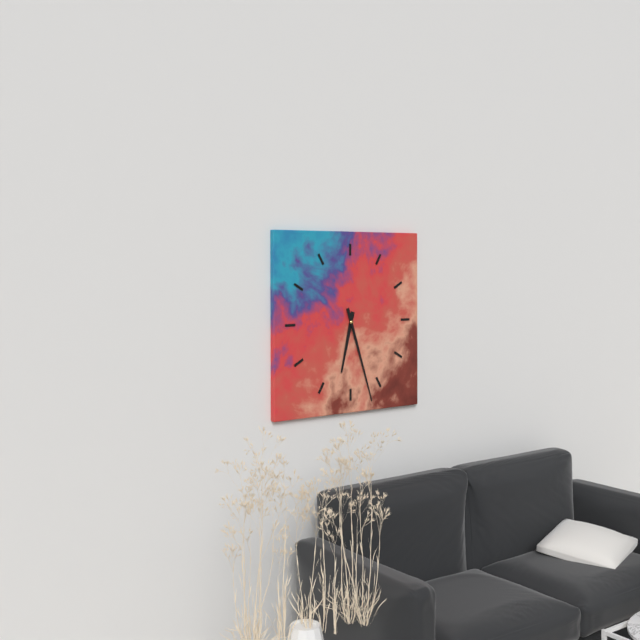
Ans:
6,27
